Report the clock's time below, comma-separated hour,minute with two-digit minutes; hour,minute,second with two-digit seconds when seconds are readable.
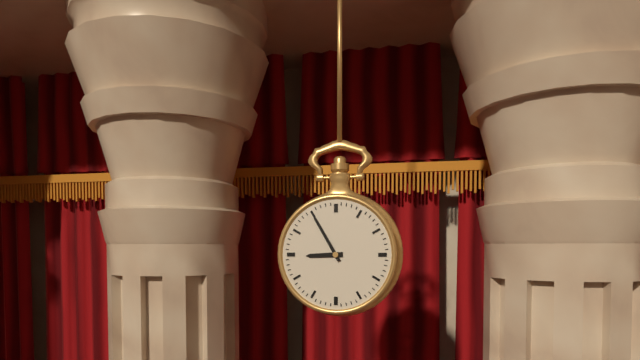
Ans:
8,55
